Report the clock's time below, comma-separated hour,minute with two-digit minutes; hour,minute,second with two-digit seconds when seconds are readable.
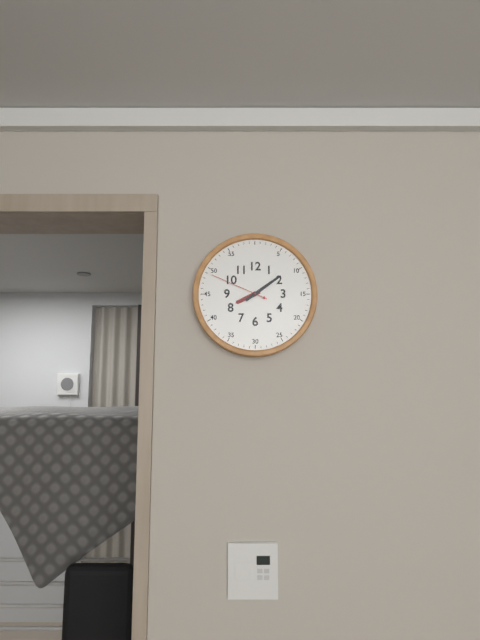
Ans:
8,09,49
